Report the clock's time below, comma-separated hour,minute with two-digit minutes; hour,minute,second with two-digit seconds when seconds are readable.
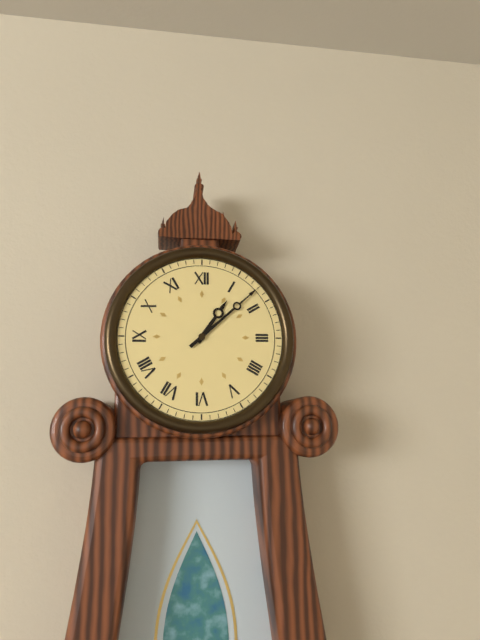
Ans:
1,08
